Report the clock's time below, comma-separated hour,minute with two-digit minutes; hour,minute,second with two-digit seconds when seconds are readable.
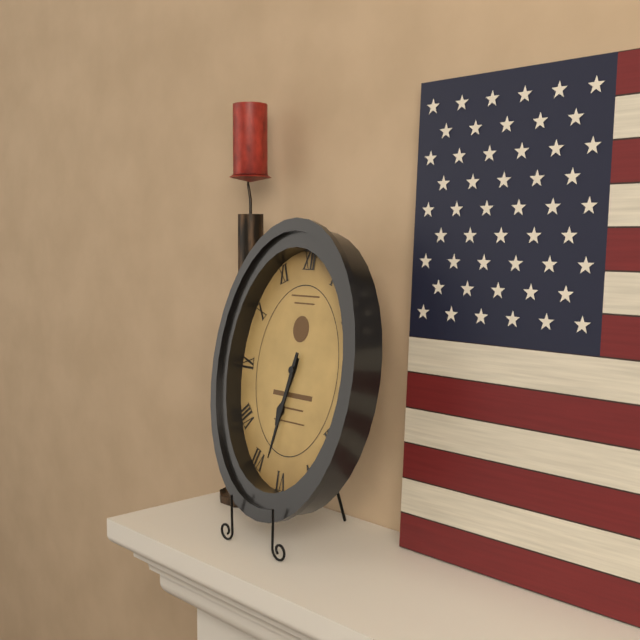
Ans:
6,32
